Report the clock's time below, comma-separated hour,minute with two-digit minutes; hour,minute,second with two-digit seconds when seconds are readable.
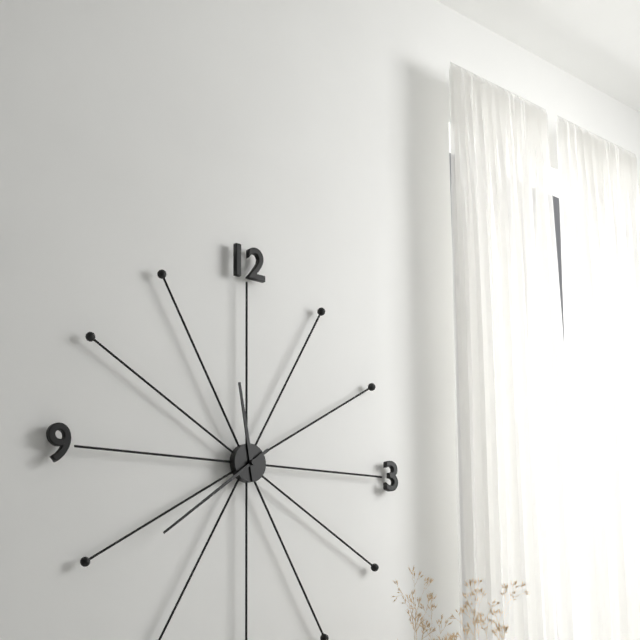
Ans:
11,39
